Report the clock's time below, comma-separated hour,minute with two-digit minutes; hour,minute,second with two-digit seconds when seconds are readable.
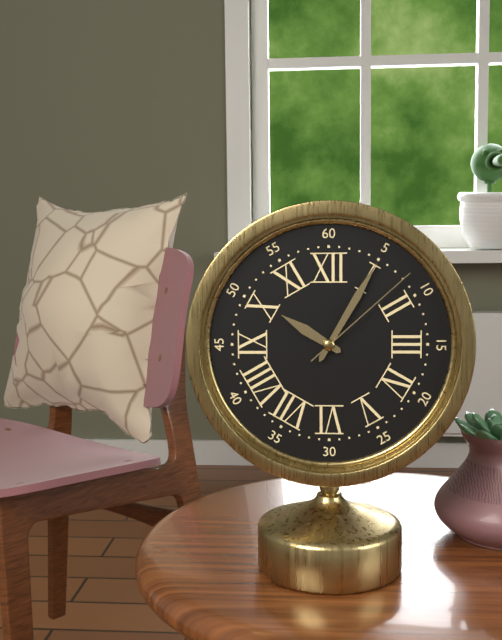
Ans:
10,05,08
